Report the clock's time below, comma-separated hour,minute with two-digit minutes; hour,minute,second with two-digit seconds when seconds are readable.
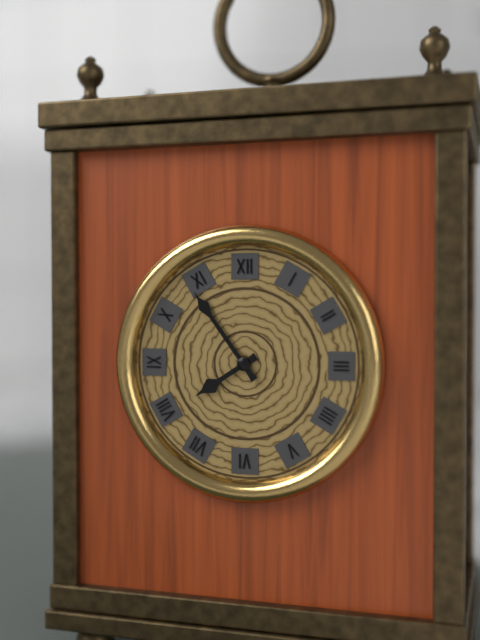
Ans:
7,54
